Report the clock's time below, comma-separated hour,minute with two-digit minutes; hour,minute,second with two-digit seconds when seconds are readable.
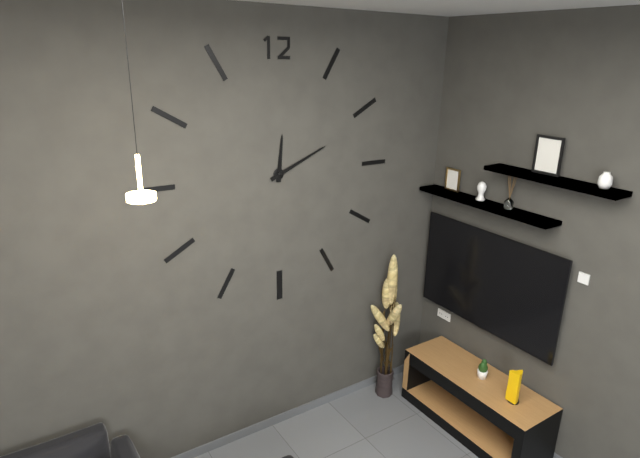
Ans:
12,11
